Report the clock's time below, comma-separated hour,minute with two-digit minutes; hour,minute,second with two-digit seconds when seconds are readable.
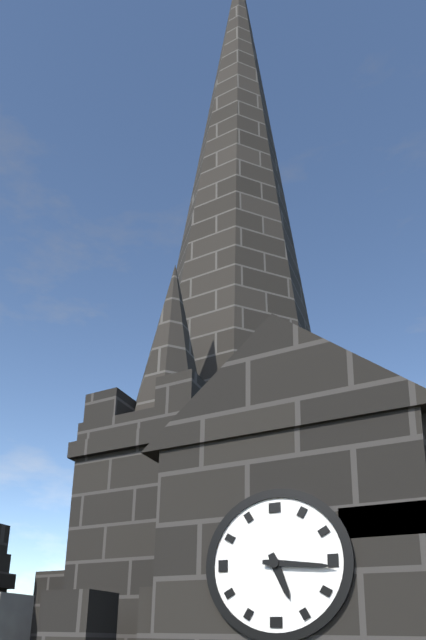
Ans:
5,16
